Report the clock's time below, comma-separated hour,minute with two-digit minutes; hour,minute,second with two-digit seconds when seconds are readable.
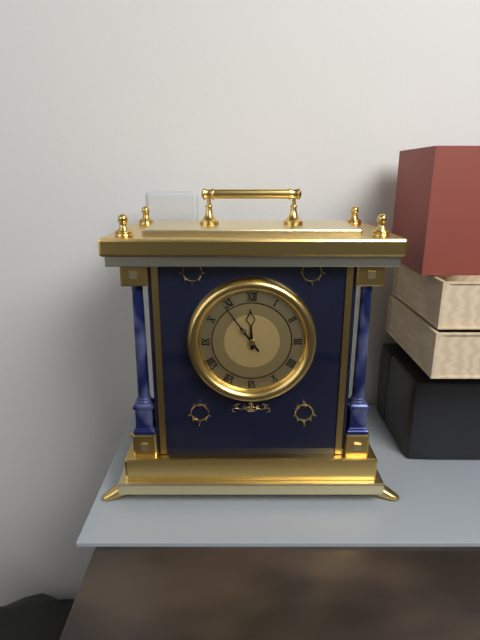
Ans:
11,54
